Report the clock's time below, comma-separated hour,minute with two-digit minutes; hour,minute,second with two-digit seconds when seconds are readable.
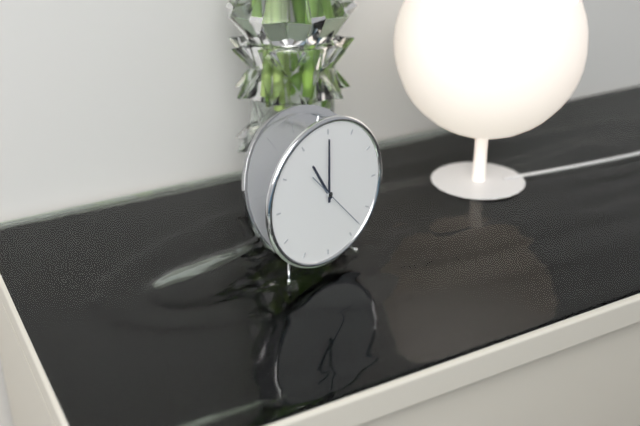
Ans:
11,00,23
